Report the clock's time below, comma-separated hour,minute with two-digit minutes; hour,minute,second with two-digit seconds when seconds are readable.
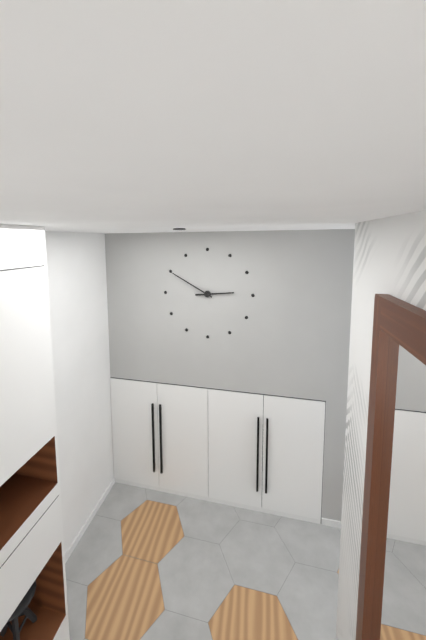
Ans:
2,50
